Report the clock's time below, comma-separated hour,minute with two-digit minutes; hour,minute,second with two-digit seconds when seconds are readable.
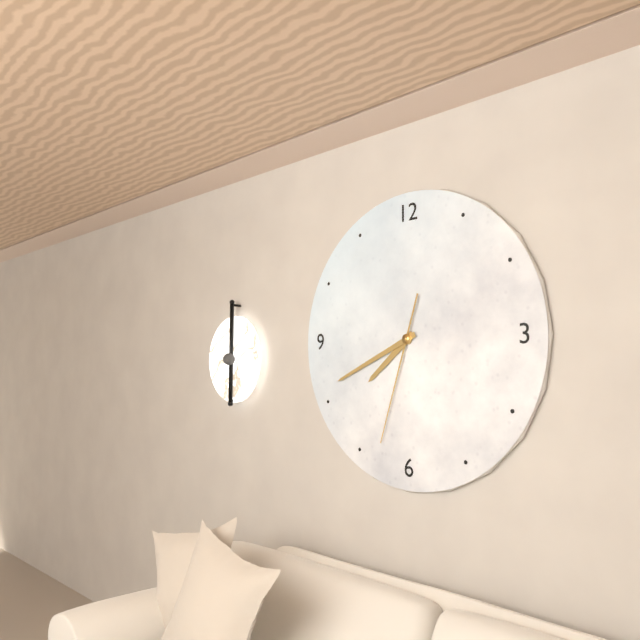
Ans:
7,41,33
